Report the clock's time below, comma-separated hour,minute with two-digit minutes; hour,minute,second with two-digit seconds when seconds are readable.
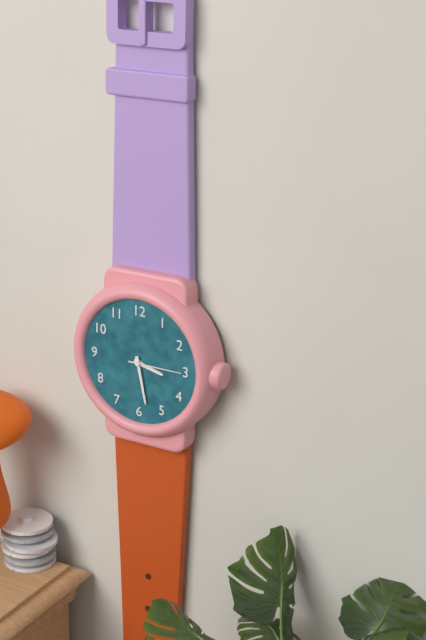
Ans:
3,28,15
